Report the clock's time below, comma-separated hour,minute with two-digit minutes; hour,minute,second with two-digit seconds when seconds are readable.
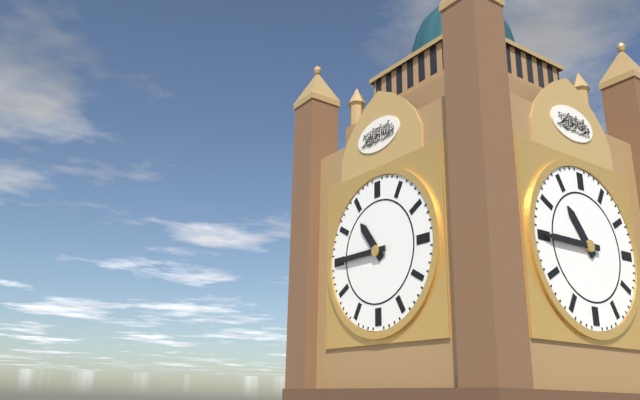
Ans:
10,45
